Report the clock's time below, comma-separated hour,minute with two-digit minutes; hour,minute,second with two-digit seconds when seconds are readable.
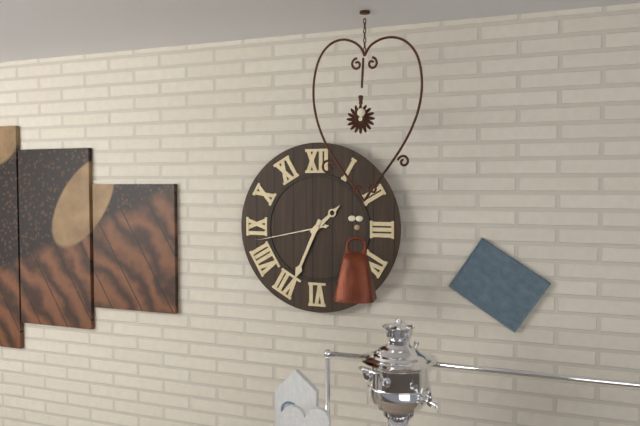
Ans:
1,34,43
